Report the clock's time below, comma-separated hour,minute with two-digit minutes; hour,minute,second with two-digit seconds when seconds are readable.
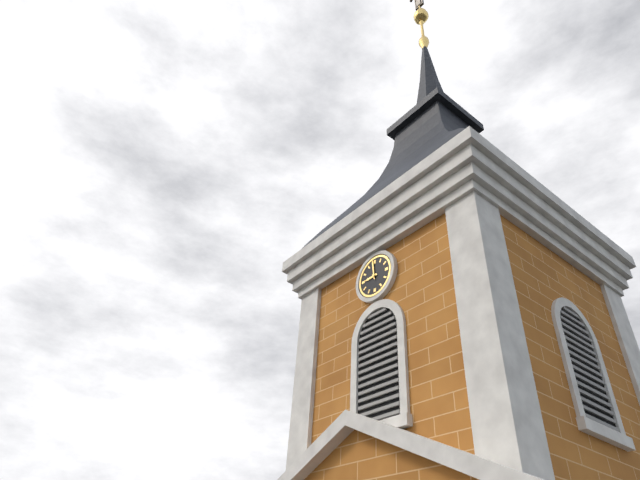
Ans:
8,59
